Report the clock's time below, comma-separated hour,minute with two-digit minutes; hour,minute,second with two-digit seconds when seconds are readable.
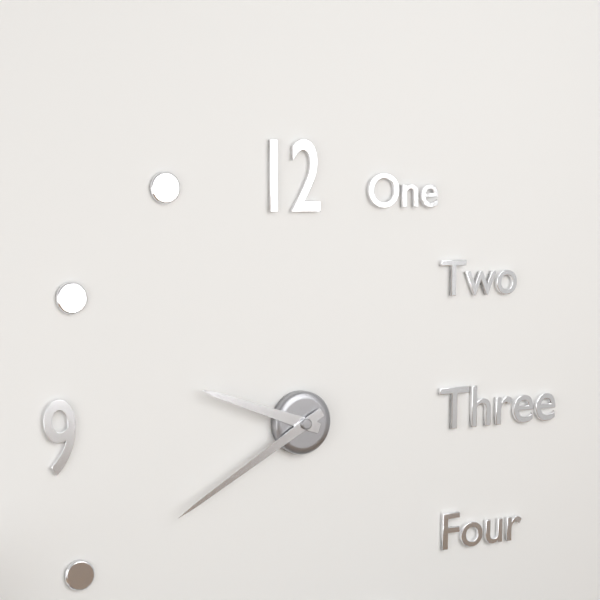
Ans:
9,40
